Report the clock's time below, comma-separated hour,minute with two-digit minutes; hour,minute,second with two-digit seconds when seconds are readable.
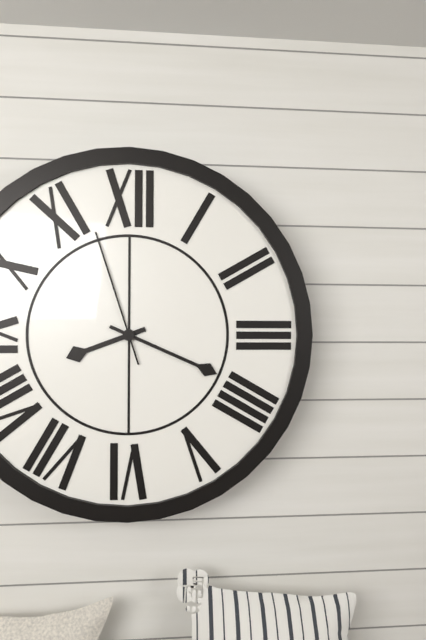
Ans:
8,19,57
